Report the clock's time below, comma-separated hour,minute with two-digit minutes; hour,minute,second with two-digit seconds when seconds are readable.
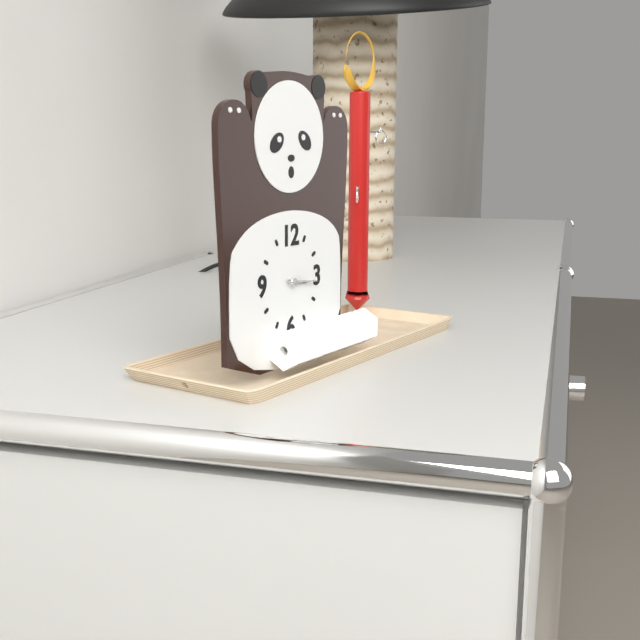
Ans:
3,16
